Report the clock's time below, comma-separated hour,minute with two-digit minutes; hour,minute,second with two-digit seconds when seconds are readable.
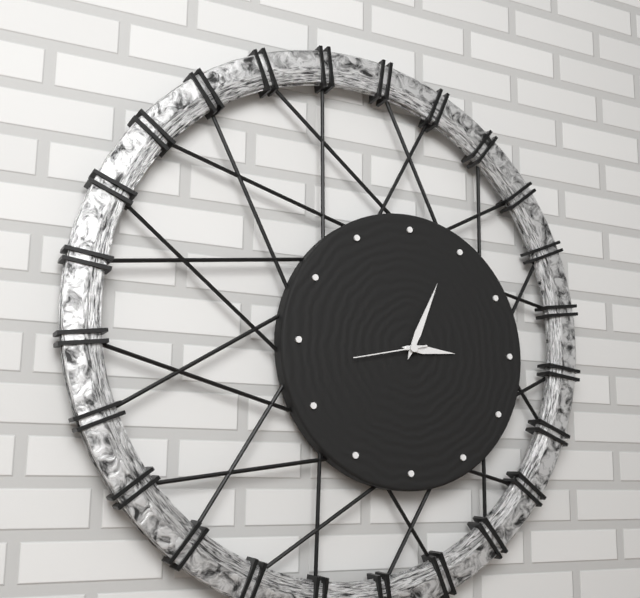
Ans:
3,04,43
